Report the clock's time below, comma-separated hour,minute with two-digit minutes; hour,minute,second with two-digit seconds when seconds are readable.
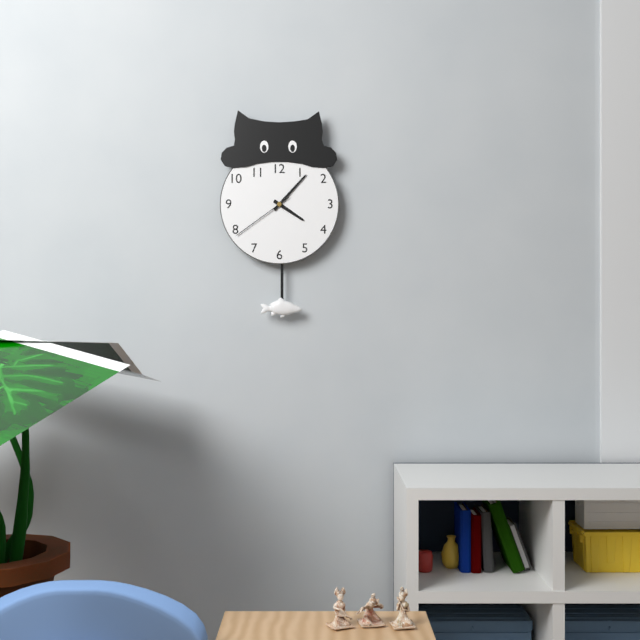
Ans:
4,07,39
